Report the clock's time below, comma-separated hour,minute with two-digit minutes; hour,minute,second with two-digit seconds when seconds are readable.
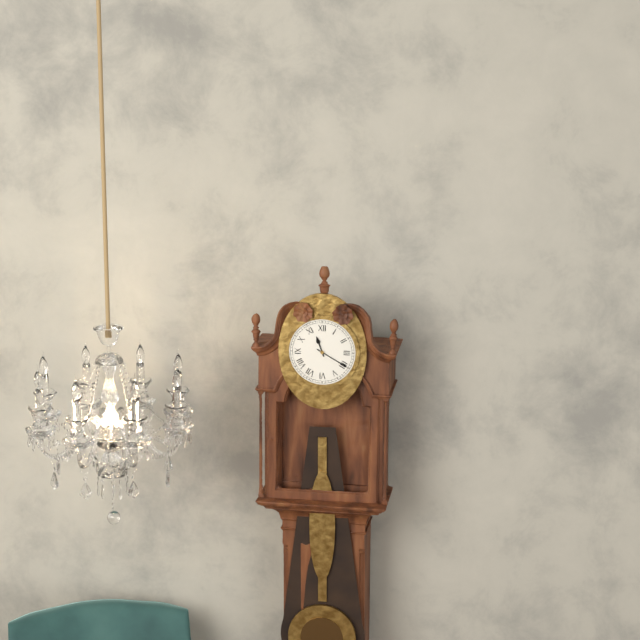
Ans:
11,20
